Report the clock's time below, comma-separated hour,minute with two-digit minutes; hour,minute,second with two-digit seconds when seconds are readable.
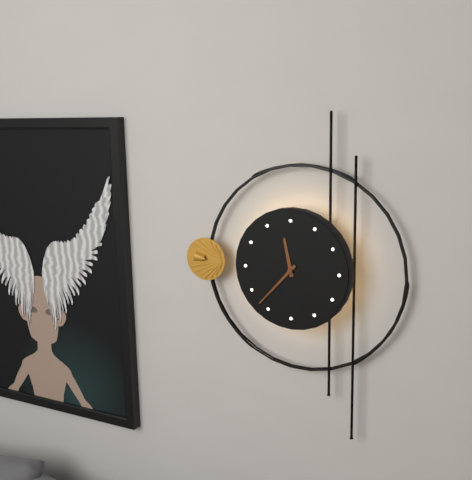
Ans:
11,37
